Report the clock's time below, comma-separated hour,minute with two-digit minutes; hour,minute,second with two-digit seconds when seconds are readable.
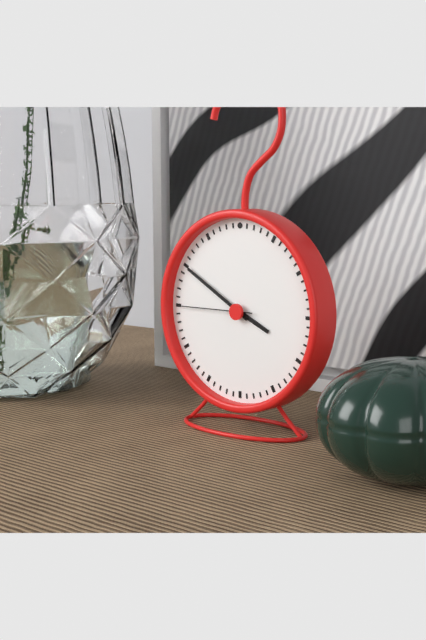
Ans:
3,50,45
